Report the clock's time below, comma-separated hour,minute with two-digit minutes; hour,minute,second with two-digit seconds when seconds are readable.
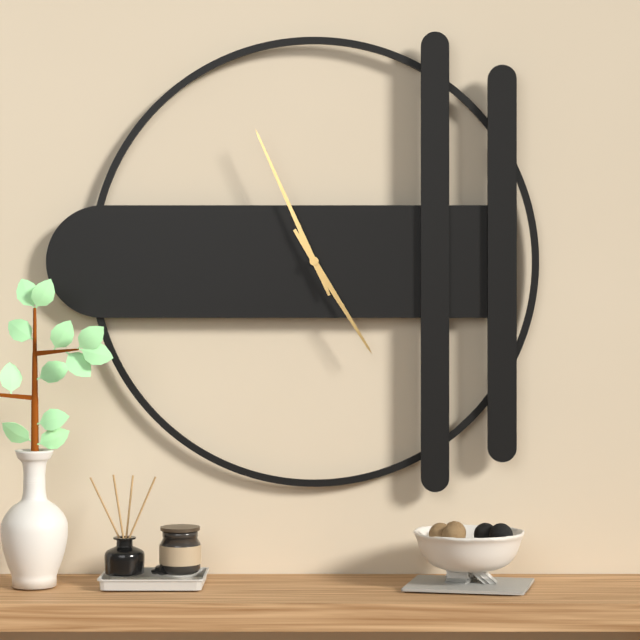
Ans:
4,56
